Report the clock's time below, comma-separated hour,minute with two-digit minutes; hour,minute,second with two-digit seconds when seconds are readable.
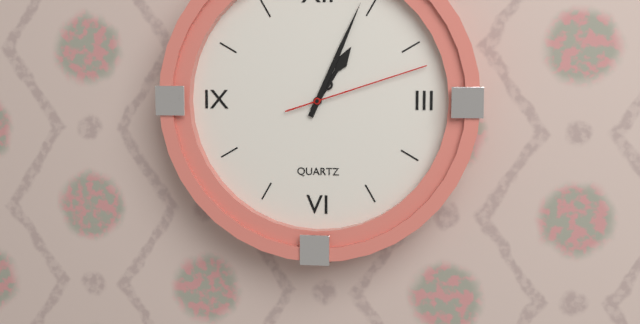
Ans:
1,04,12
